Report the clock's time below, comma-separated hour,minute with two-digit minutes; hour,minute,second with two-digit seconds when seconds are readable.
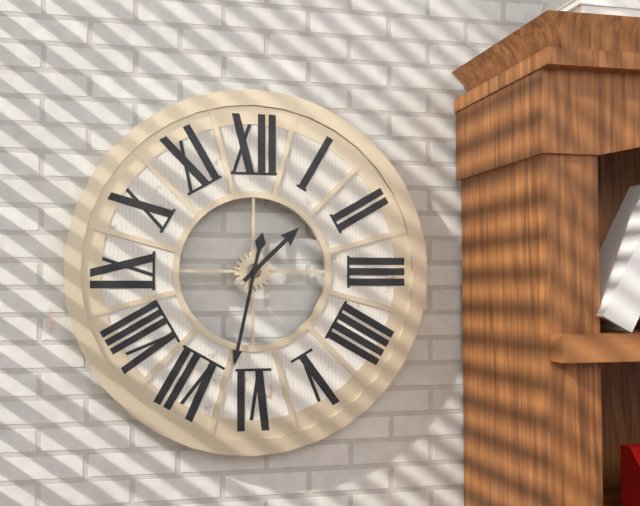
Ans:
1,32
